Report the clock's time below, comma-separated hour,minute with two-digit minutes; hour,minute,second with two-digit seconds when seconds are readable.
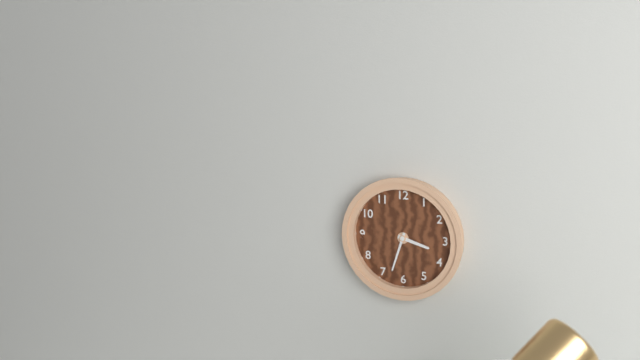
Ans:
3,33
